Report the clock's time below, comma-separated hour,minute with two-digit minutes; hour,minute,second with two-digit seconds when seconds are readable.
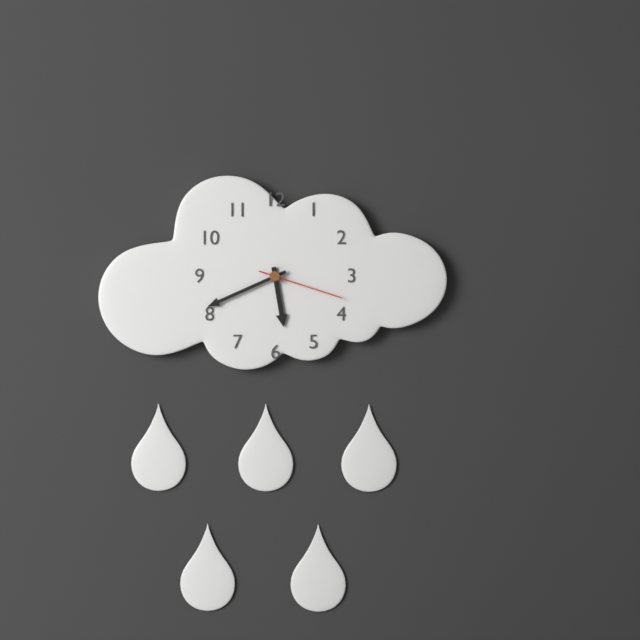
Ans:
5,41,18
